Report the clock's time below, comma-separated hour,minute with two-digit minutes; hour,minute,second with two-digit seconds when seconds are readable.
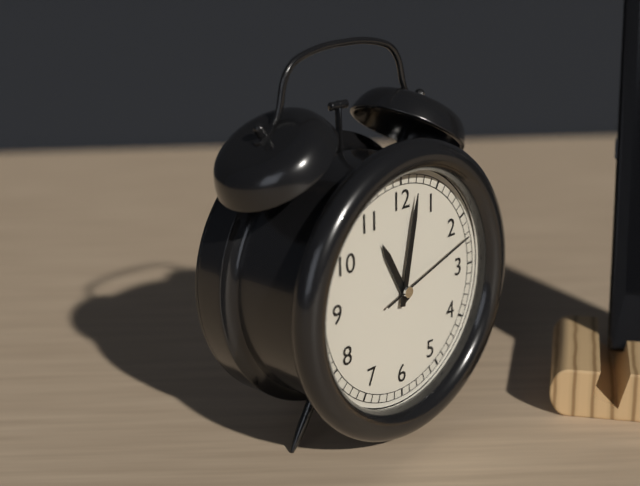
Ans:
11,02,12
